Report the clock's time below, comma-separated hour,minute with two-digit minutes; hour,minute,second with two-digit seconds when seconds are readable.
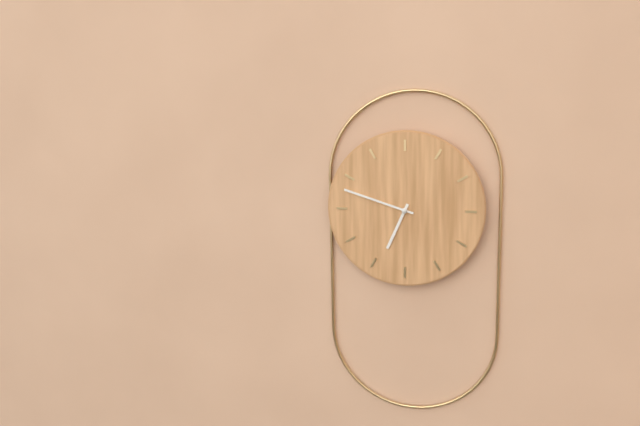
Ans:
6,48
